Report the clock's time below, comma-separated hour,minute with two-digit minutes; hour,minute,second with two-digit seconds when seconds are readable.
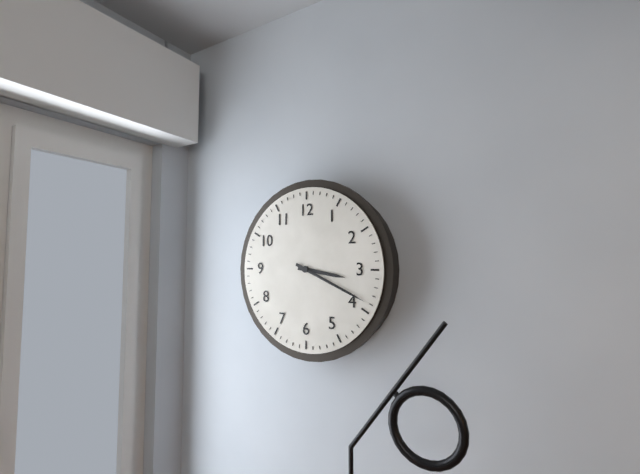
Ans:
3,19
